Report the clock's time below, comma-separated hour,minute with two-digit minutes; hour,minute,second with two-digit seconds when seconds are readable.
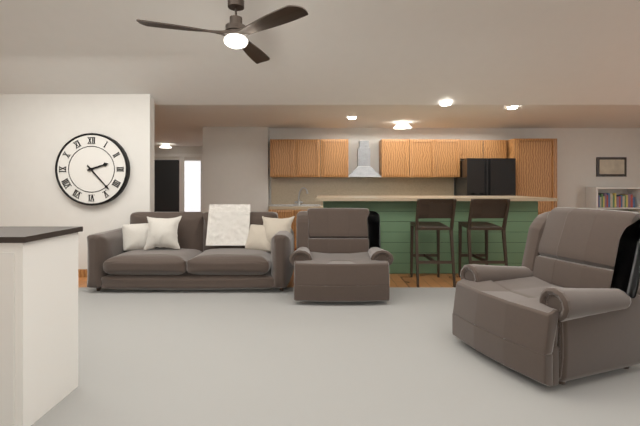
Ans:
2,23
